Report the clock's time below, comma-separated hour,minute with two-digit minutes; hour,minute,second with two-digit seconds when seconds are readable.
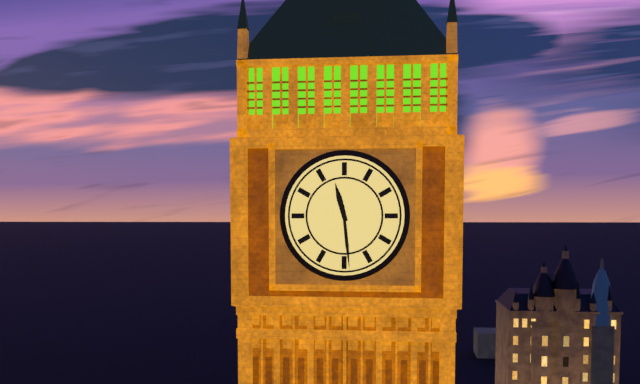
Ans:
11,29
